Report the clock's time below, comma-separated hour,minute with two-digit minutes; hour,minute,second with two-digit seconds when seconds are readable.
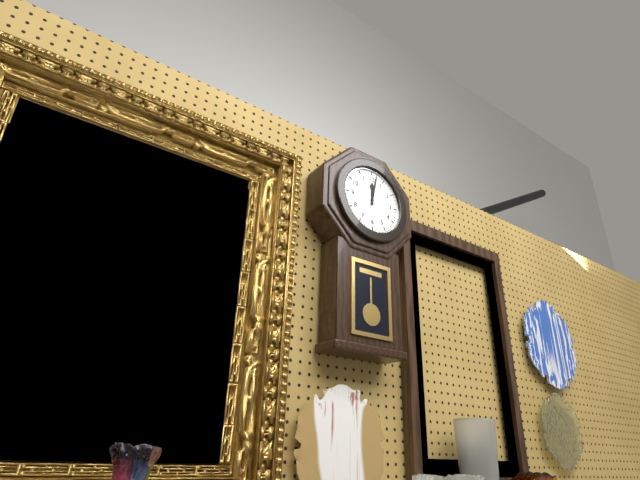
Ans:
12,02
